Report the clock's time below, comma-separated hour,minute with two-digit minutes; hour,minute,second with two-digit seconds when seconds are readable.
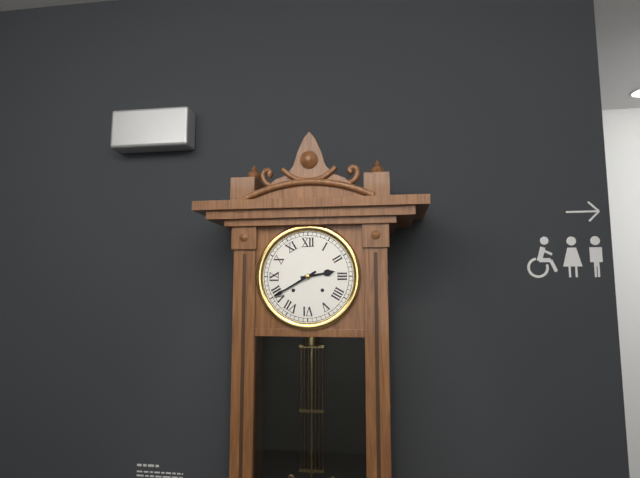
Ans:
2,40
